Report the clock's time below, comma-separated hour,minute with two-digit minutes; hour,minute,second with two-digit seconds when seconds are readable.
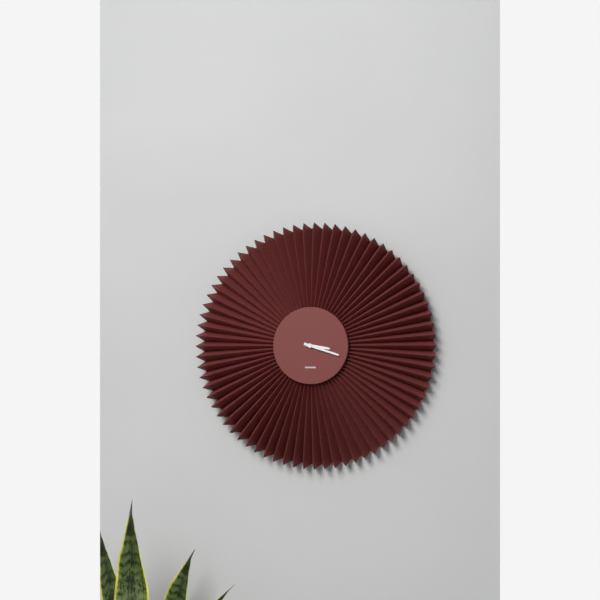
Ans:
3,18
